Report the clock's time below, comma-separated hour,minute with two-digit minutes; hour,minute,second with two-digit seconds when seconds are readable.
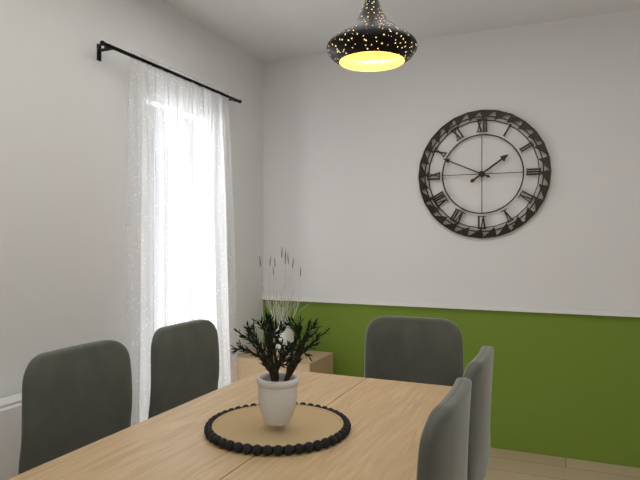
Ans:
1,49
